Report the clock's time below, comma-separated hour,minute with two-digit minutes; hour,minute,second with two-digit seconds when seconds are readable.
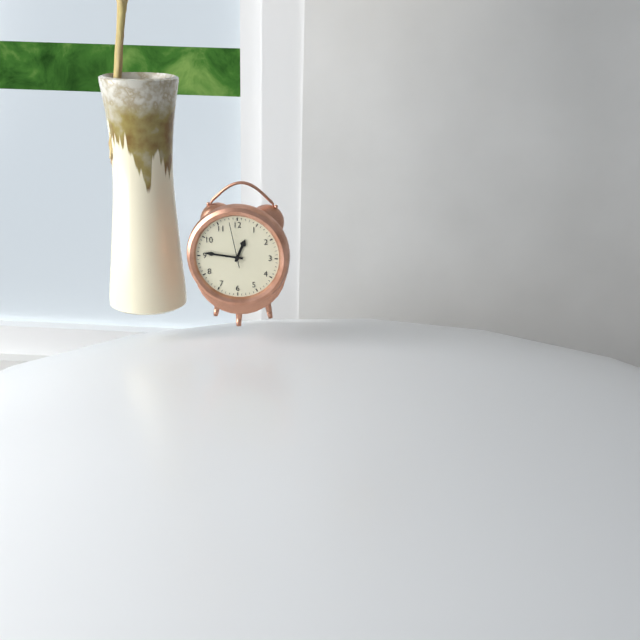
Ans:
12,46
